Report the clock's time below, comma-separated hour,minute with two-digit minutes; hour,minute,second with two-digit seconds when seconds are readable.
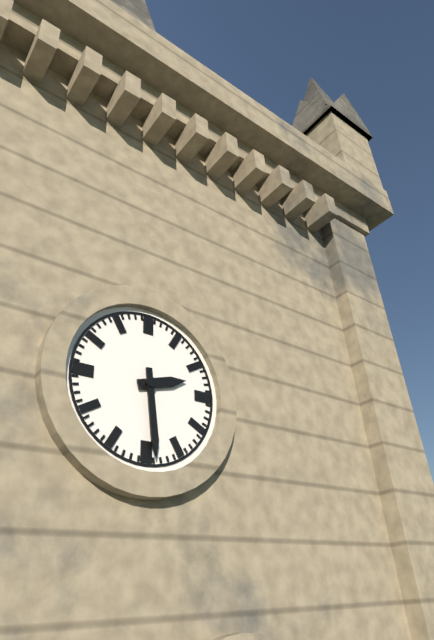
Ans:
2,29
